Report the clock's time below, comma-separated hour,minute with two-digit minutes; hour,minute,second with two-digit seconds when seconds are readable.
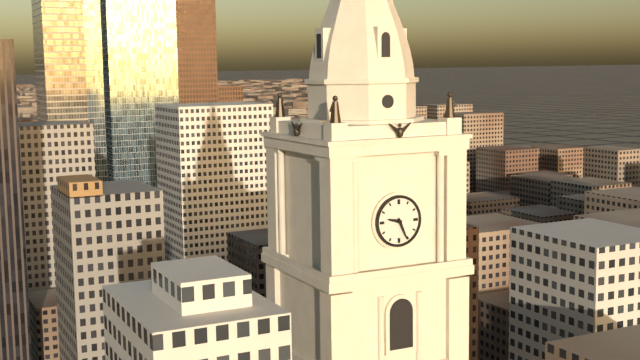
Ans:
9,26
